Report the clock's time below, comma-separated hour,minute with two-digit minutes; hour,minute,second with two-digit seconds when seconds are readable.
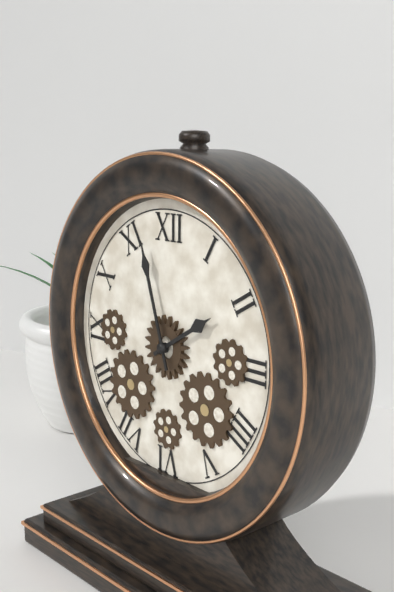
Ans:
1,57
